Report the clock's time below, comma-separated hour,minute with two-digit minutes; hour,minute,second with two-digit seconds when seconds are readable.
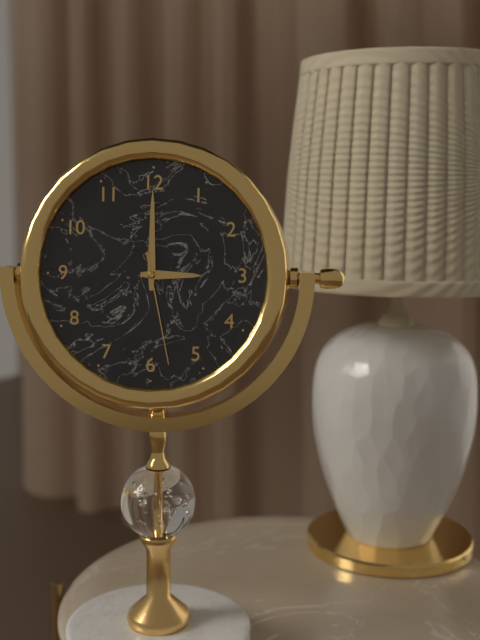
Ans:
3,00,28
